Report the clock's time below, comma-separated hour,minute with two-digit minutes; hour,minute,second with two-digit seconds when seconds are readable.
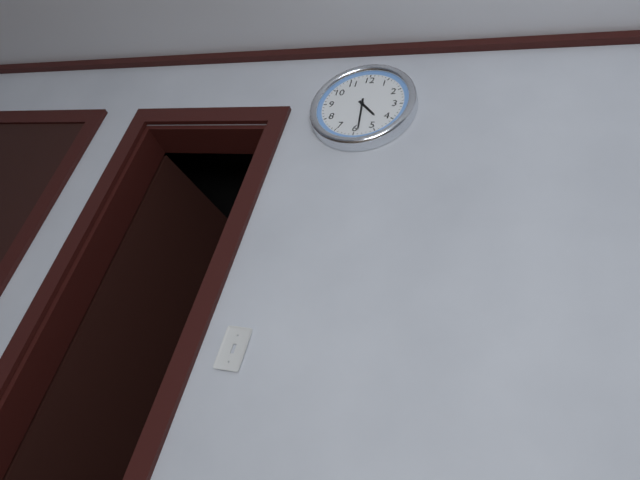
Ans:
4,29
